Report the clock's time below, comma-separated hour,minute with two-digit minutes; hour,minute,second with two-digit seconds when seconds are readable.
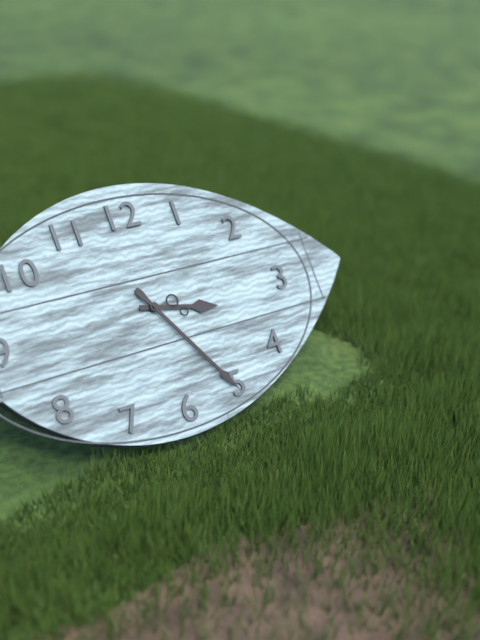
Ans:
3,25
